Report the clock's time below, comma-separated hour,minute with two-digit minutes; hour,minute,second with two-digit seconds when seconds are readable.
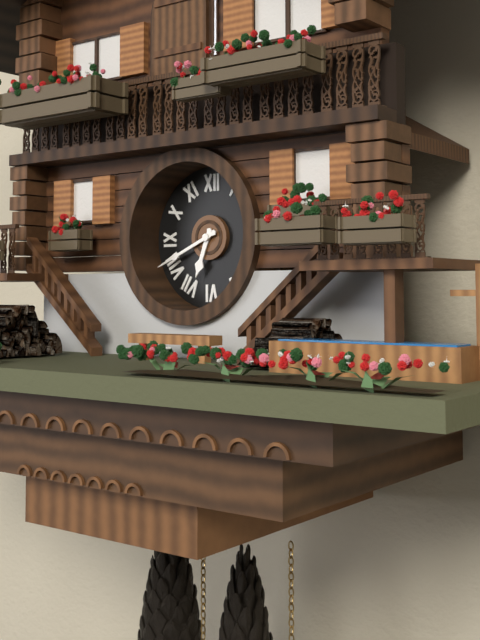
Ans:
6,41
